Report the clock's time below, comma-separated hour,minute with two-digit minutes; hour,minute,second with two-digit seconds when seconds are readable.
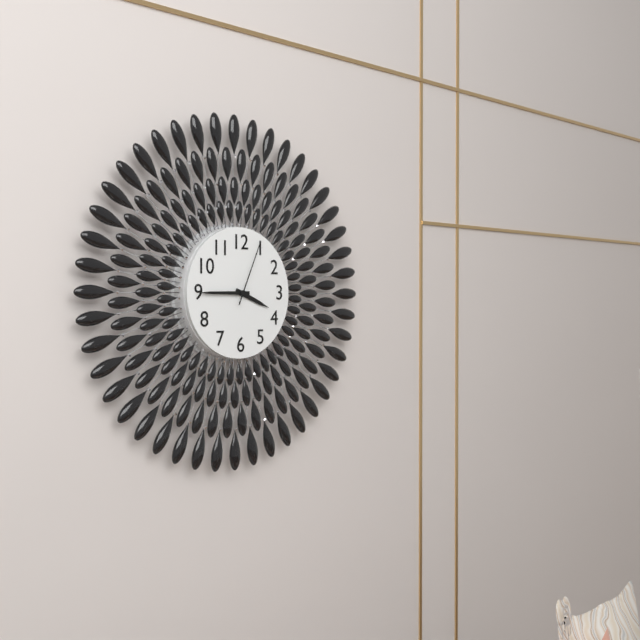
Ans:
3,45,04
